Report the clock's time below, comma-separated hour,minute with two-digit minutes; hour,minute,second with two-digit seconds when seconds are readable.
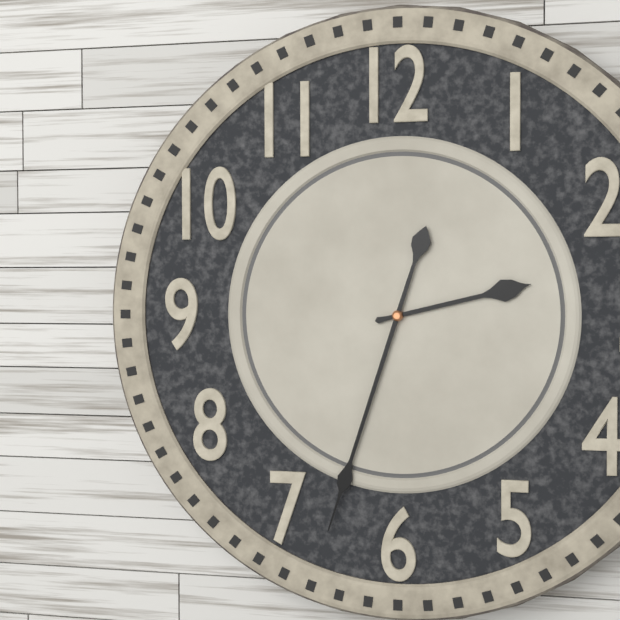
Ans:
2,33
